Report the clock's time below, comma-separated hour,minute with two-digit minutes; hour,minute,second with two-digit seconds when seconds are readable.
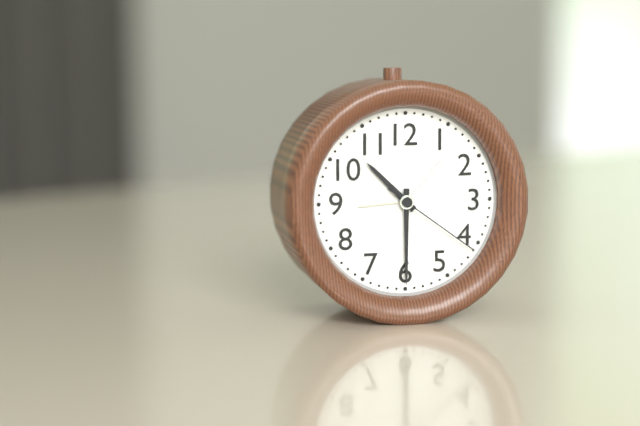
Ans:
10,30,21
